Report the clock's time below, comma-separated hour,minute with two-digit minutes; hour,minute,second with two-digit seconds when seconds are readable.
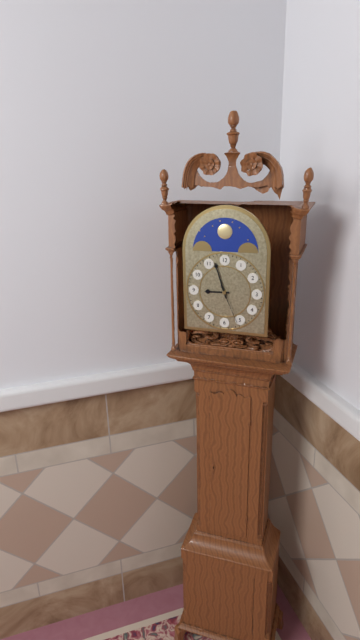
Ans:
8,57
